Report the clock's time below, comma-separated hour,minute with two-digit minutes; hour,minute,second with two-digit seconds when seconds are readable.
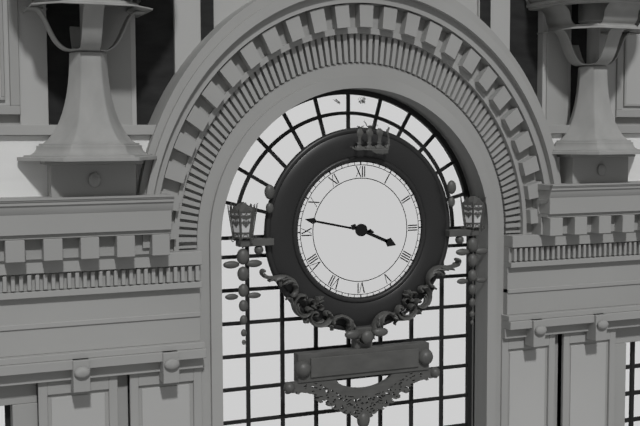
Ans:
3,47
